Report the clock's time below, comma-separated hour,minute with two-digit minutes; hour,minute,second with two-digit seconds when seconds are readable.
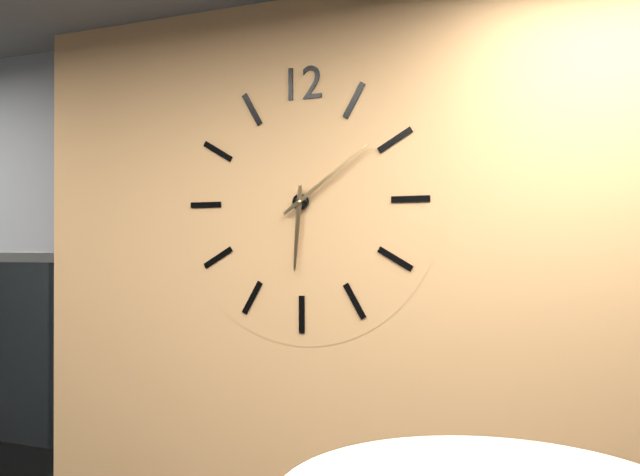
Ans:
6,09
